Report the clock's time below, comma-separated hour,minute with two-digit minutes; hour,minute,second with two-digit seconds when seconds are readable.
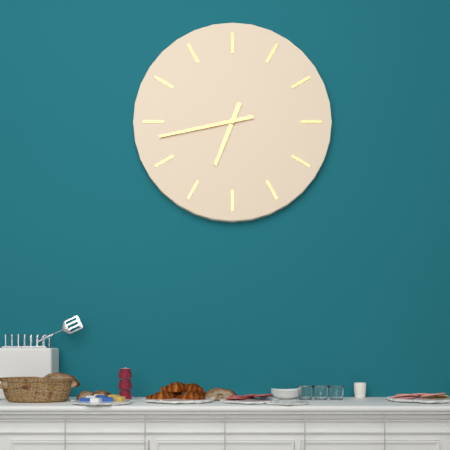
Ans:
6,43
